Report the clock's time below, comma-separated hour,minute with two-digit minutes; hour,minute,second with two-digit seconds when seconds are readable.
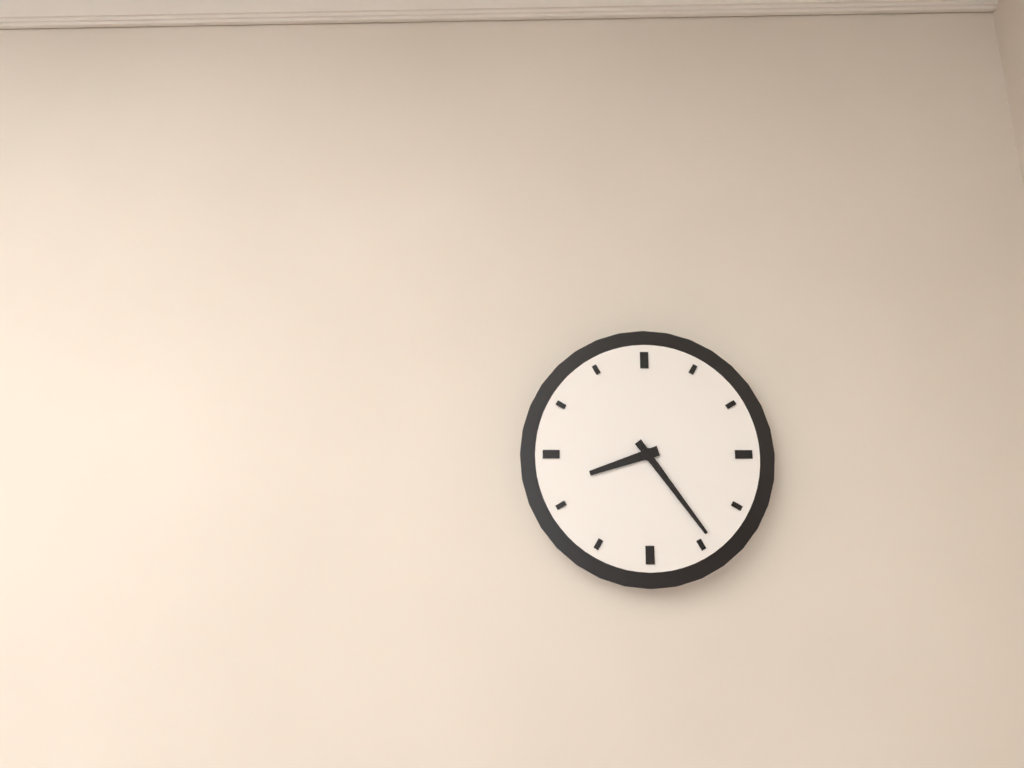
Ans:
8,24
